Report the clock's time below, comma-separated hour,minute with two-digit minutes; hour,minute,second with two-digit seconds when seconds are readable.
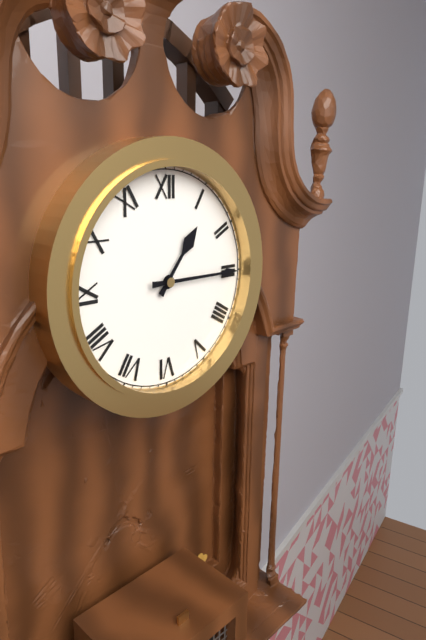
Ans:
1,15
